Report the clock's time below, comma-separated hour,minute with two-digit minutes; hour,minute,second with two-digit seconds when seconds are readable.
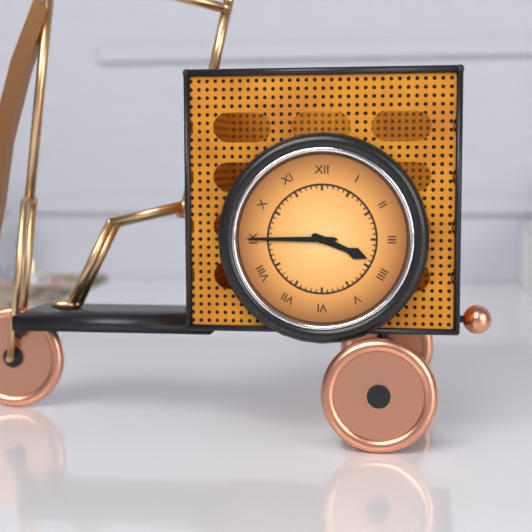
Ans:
3,45
